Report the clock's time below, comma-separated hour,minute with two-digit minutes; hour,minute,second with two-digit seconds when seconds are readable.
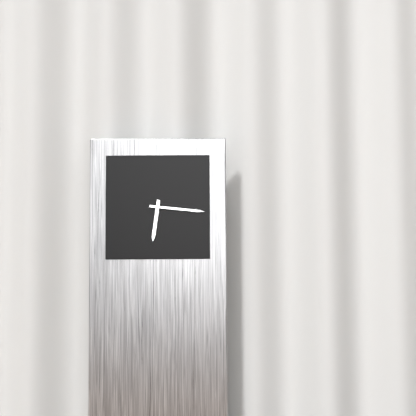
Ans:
6,16
